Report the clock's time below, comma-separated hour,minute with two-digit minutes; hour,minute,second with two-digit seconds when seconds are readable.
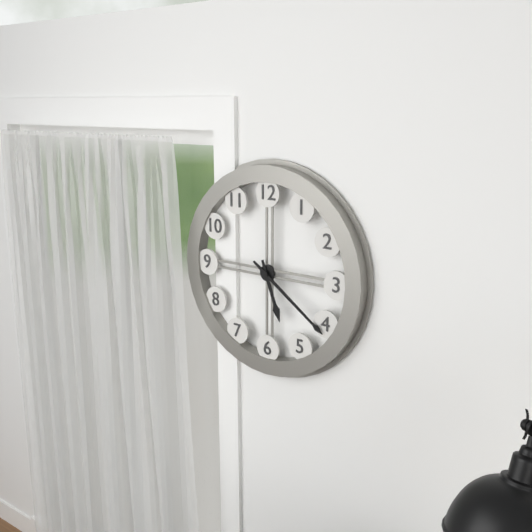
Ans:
5,21
